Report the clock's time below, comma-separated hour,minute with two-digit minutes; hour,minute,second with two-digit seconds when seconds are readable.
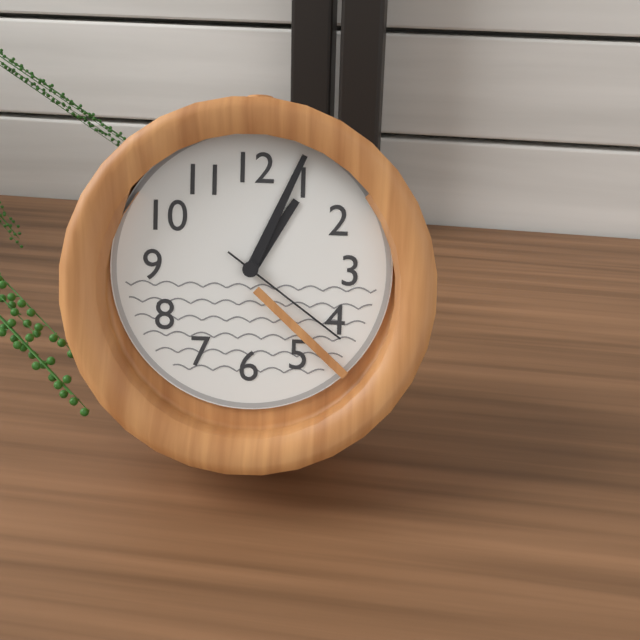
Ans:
1,04,21
